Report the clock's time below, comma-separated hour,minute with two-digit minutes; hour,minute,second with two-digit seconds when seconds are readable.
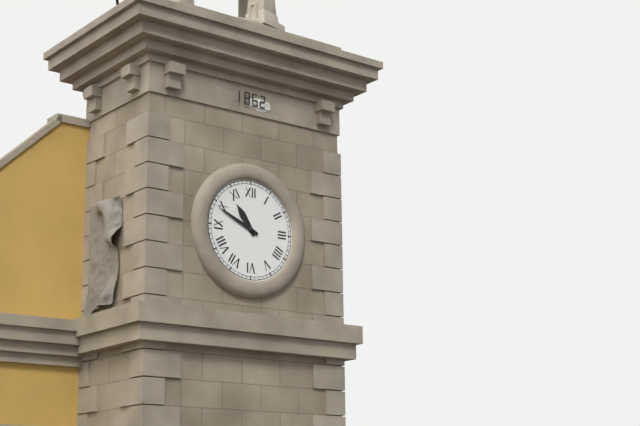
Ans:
10,49
